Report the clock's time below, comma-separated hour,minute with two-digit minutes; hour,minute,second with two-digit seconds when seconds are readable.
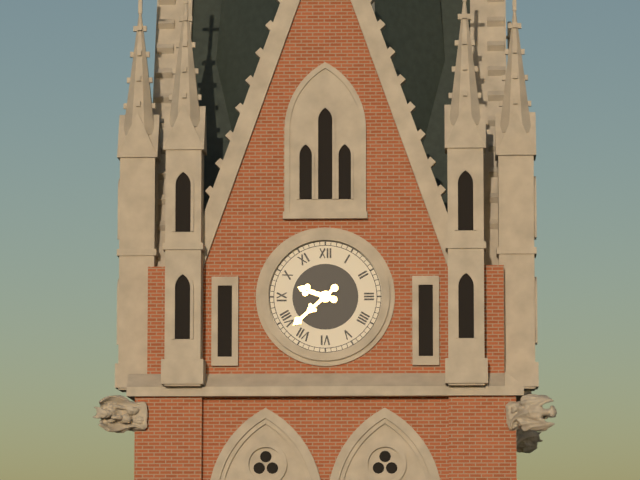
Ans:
9,38
